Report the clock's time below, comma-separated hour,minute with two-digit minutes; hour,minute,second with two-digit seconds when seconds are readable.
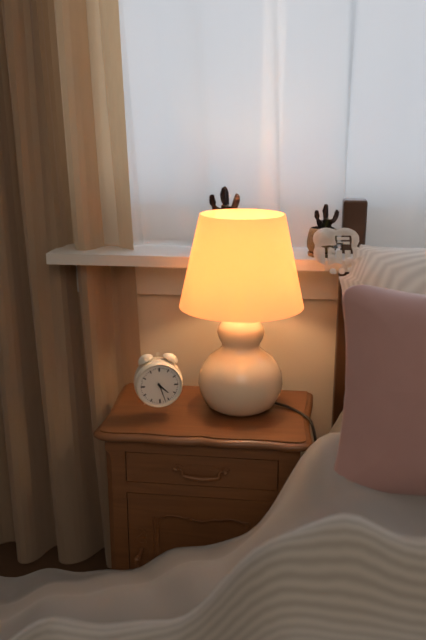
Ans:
4,27
